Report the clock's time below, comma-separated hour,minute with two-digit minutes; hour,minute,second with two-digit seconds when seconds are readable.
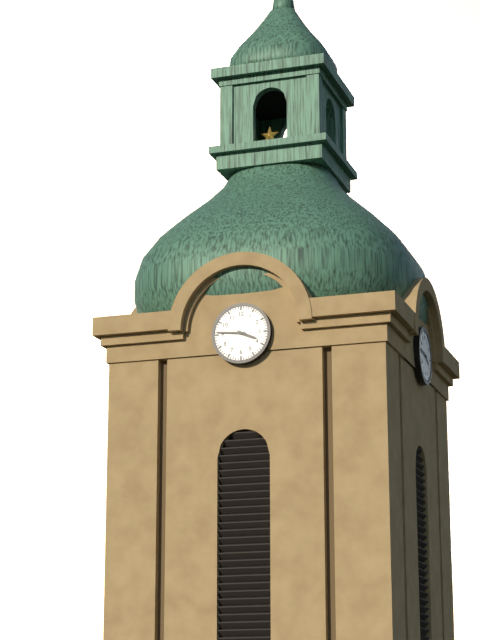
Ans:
3,46
